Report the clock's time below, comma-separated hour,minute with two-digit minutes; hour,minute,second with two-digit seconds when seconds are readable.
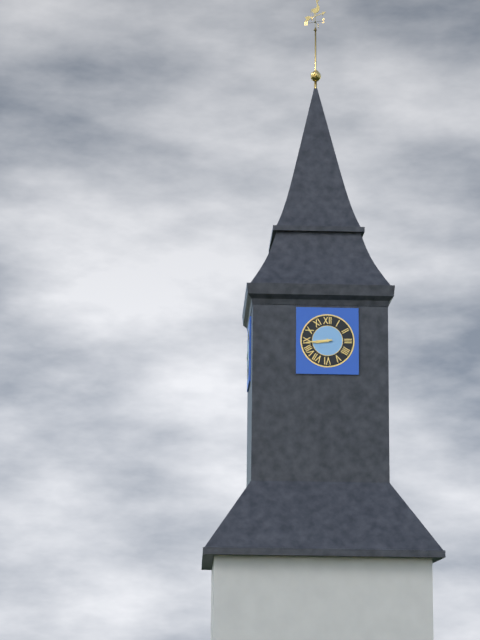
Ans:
8,44
